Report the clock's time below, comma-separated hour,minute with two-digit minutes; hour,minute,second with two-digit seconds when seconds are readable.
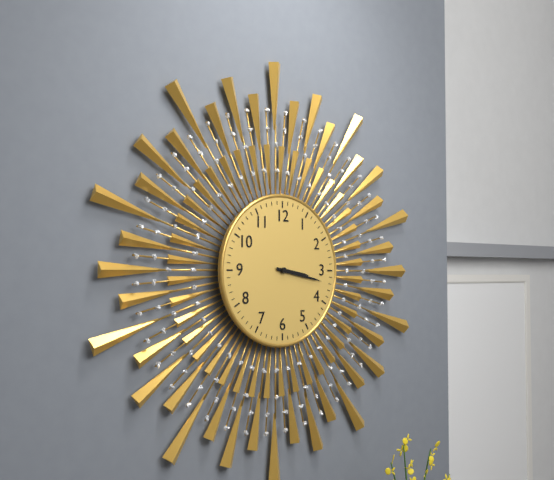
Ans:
3,17
